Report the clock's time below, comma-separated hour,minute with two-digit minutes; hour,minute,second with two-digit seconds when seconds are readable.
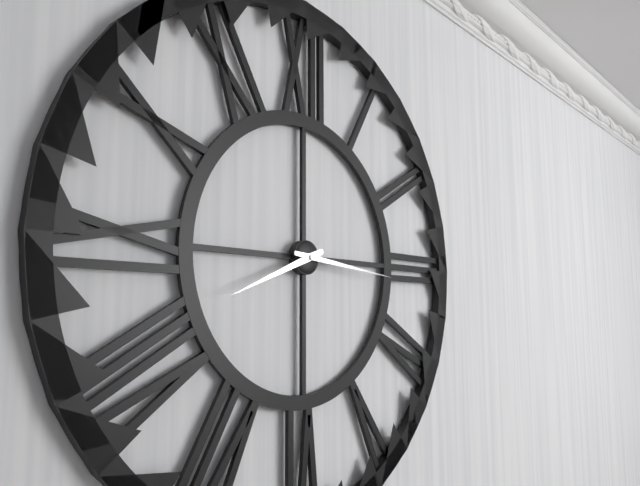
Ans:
8,16
